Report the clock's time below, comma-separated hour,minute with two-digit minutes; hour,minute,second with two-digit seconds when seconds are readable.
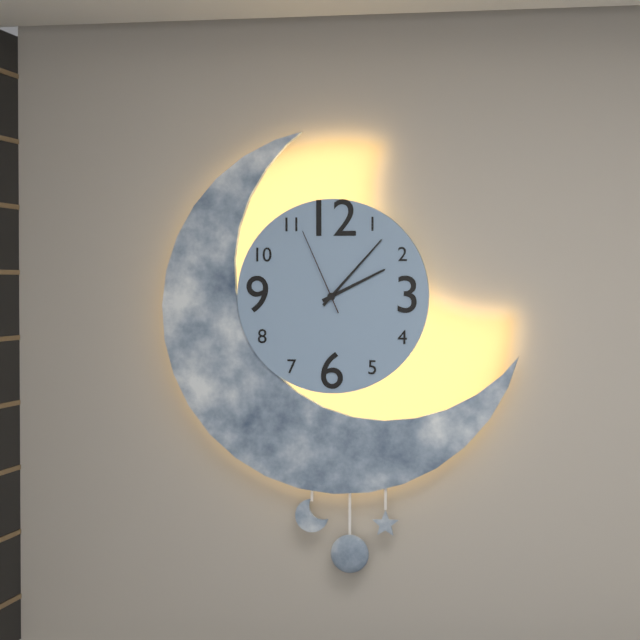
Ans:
2,07,56
